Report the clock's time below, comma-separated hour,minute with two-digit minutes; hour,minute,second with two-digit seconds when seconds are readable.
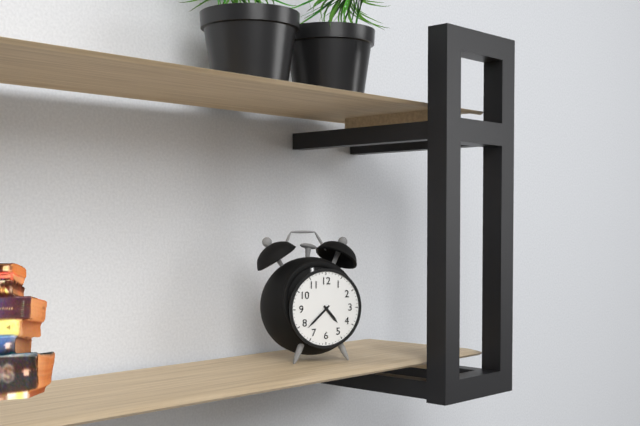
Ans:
4,38
